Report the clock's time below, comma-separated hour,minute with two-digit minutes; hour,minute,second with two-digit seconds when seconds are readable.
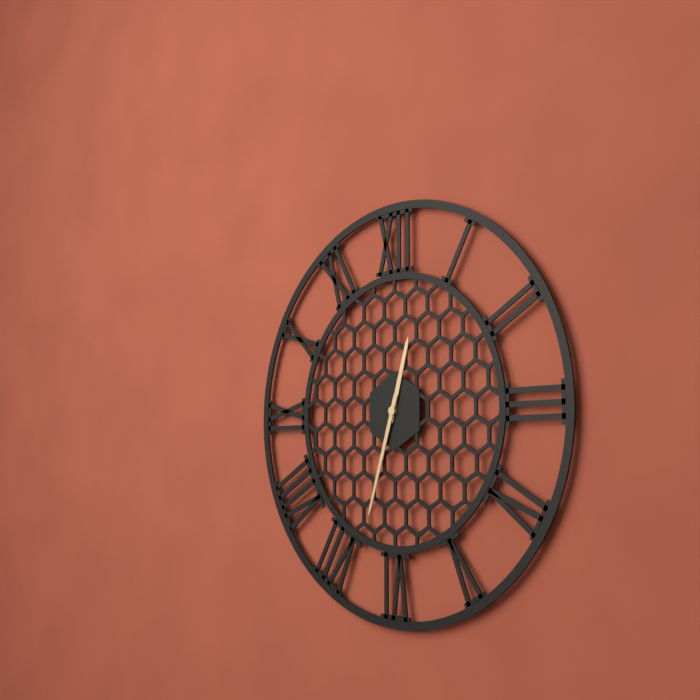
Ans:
12,33
